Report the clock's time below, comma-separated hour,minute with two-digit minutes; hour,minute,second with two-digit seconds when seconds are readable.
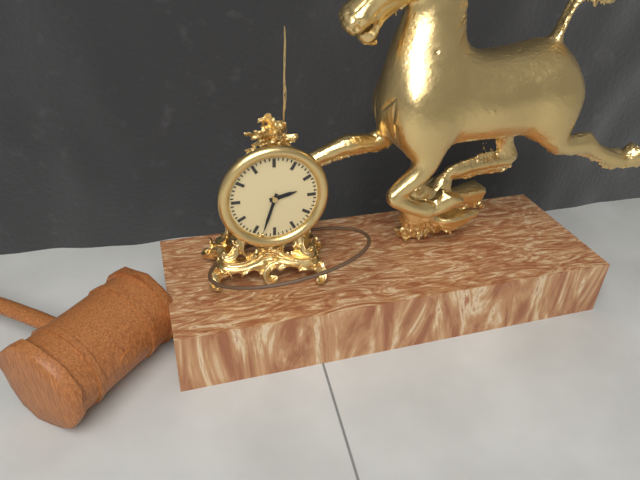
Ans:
2,33
